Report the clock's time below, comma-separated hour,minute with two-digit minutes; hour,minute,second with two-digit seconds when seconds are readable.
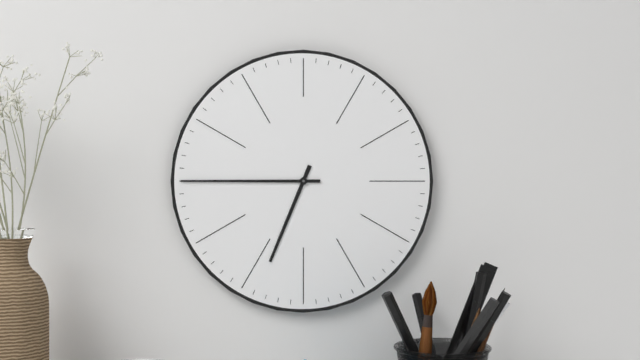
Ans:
6,45
